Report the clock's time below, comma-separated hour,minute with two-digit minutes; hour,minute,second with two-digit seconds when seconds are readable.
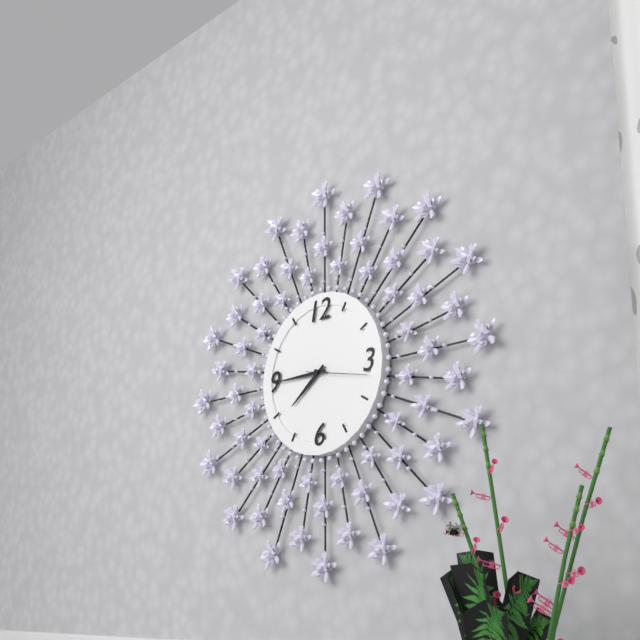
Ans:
7,45,17
